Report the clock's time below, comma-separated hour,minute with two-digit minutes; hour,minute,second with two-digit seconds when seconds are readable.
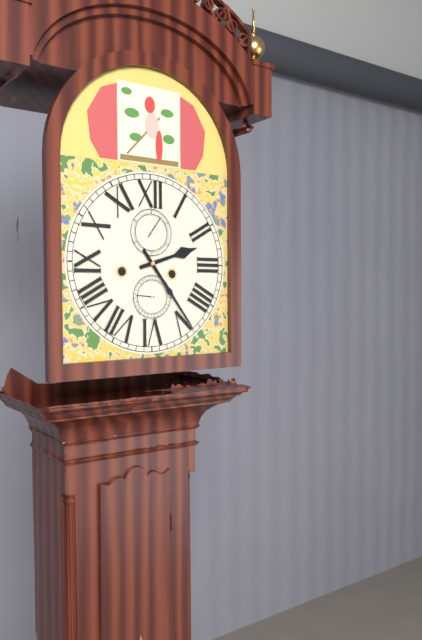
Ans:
2,24
